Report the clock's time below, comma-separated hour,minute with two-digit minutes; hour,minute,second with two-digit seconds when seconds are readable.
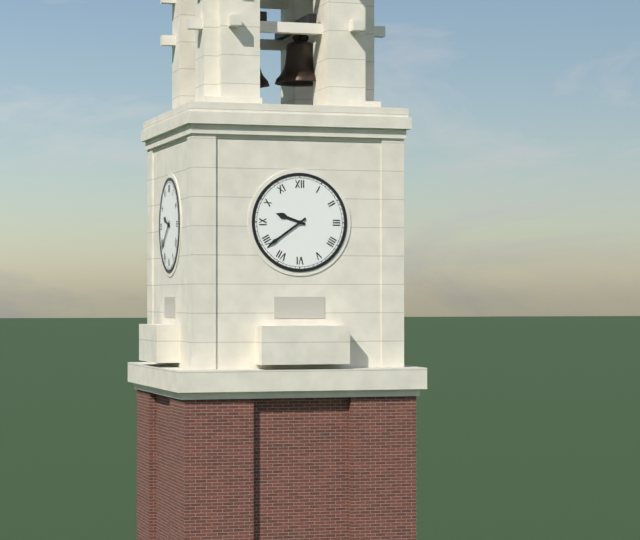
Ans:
9,39
